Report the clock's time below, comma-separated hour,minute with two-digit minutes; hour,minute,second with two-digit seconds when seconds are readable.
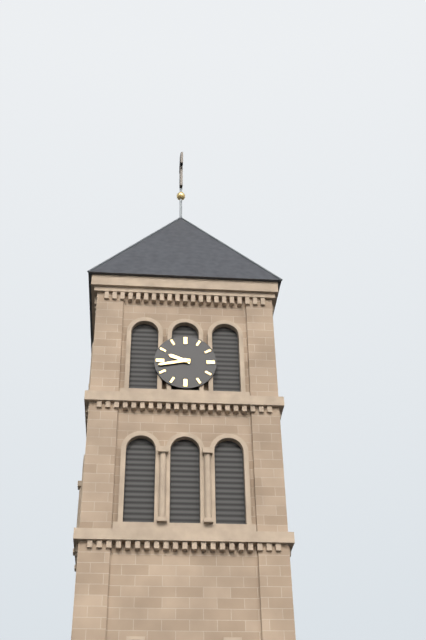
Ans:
9,43
